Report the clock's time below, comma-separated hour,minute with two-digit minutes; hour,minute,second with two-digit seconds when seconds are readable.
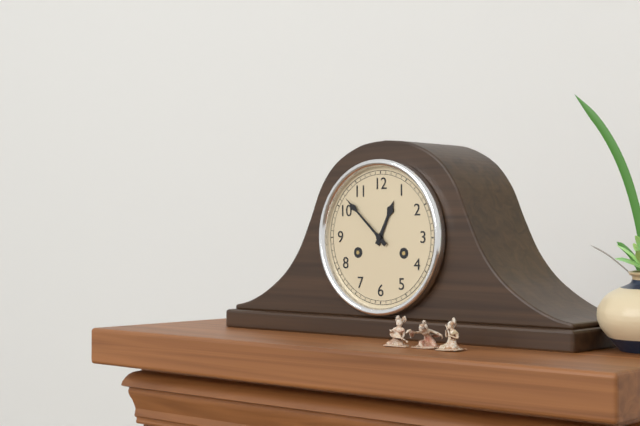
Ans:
12,52
